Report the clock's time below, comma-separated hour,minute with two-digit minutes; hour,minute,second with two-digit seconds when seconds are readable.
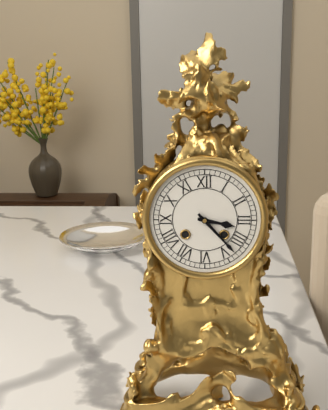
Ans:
3,23
